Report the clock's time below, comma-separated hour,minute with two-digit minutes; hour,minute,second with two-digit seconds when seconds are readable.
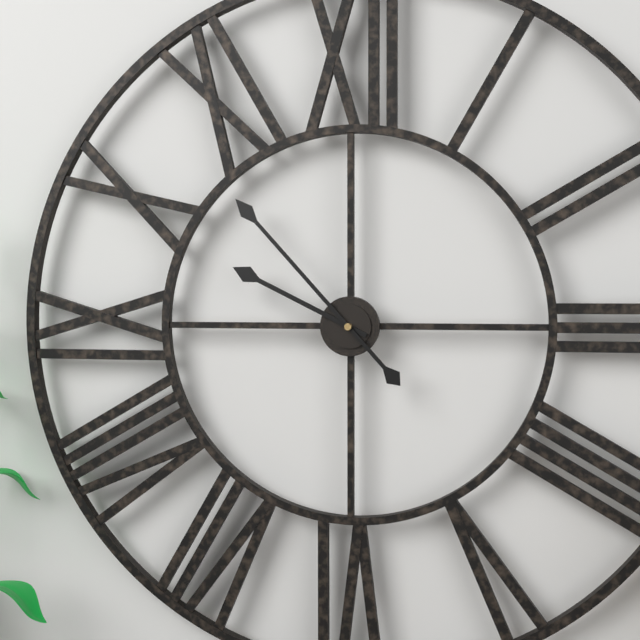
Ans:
9,53
